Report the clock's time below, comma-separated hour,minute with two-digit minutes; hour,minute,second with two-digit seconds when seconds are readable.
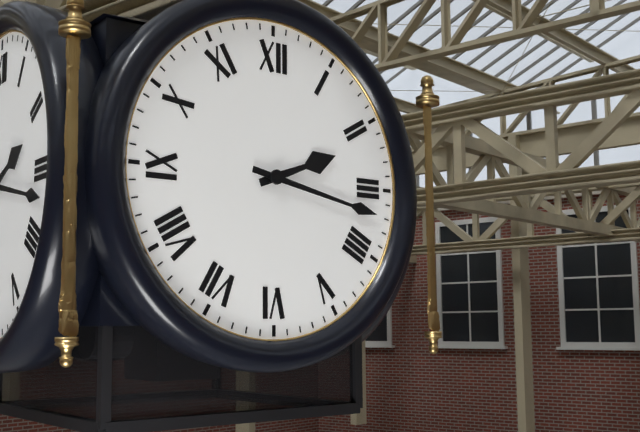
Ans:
2,17
